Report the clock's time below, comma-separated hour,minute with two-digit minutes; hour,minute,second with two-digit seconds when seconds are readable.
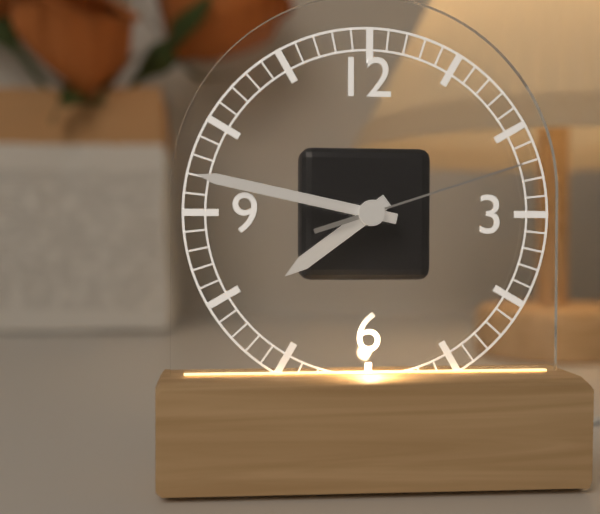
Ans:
7,47,12
